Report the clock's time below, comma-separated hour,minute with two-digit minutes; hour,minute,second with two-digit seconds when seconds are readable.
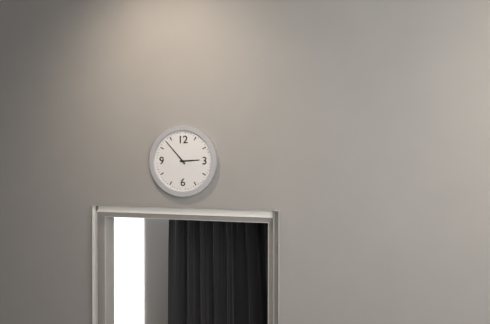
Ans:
2,53
